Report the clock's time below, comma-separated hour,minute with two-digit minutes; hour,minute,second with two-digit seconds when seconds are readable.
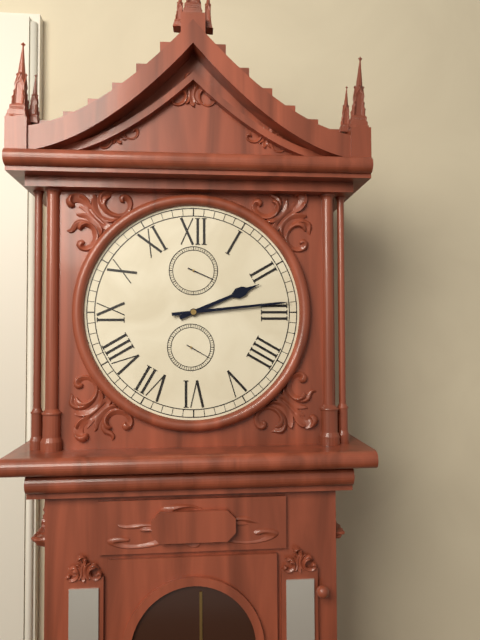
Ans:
2,14
